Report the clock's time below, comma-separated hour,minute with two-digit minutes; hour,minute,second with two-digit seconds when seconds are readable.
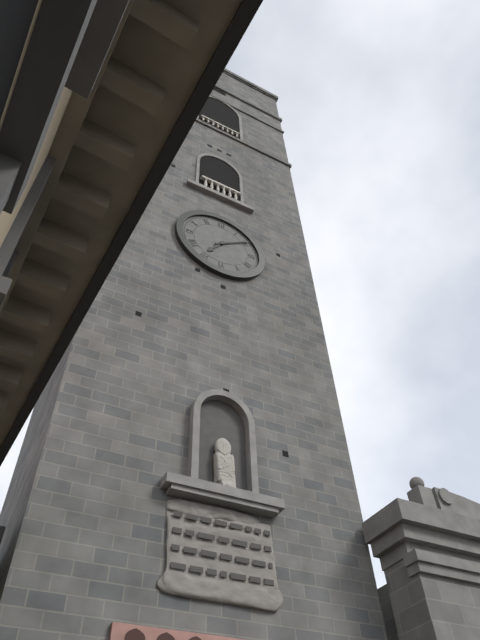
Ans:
7,09
